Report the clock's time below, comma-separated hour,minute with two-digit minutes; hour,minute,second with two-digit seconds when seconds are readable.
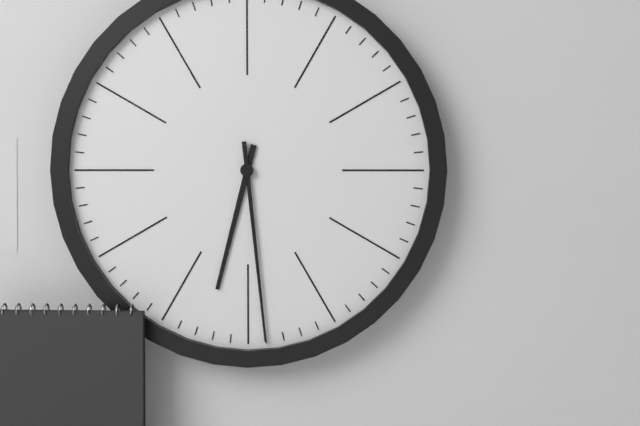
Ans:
6,29
